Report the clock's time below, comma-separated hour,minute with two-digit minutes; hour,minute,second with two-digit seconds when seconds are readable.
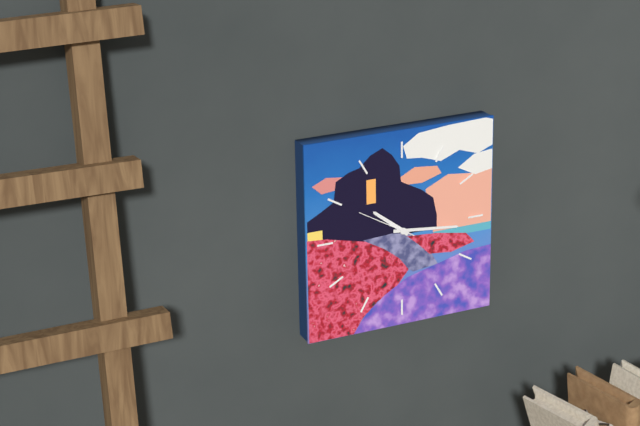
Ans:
10,16,50
